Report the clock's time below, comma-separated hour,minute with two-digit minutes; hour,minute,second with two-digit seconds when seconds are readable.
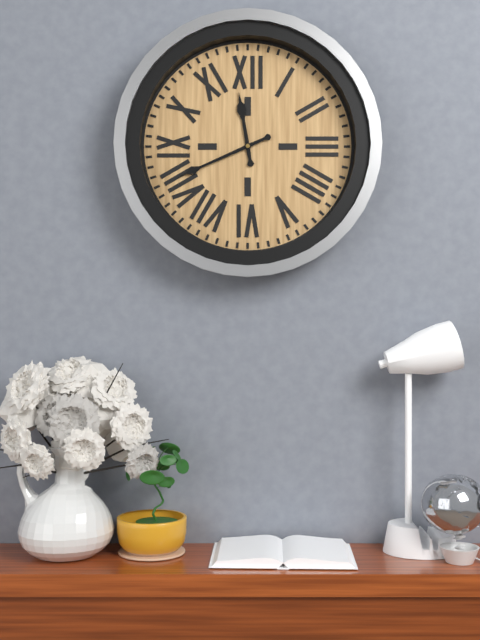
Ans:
11,41
